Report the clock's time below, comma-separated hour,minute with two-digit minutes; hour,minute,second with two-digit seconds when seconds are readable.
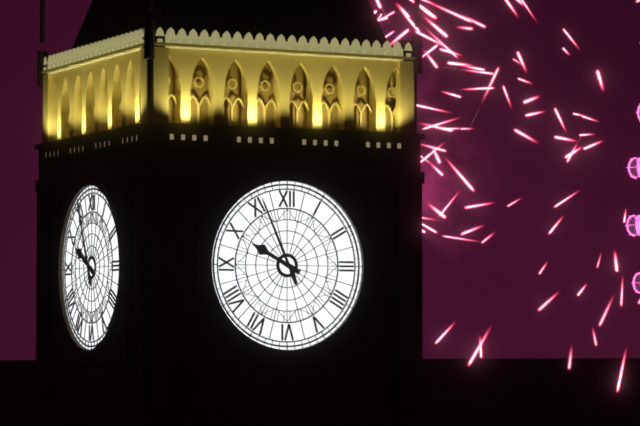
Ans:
9,56
